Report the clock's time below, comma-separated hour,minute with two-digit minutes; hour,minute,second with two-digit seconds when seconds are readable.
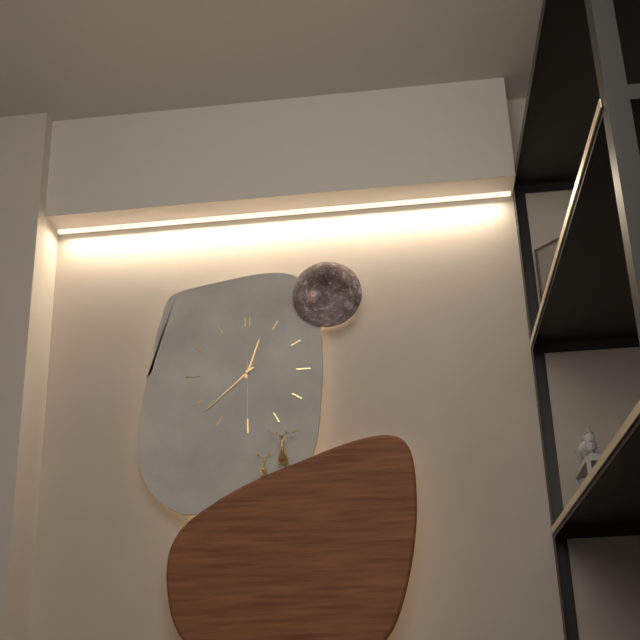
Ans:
12,38,30
